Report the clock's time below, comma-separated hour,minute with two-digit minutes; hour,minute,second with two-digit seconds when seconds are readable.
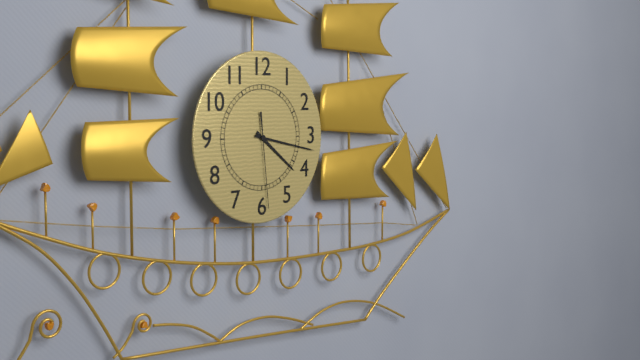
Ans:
4,17,29
